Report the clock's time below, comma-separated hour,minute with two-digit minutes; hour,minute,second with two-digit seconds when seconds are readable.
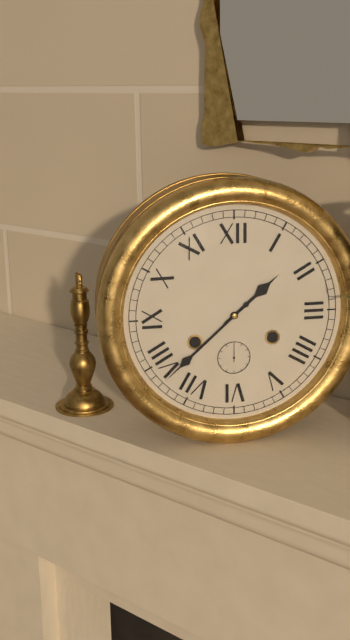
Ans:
1,38
